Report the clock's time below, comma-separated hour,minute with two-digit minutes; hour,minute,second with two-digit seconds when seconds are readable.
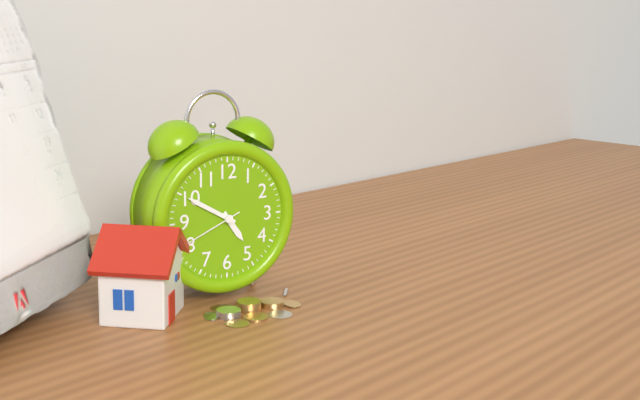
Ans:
4,50,41
